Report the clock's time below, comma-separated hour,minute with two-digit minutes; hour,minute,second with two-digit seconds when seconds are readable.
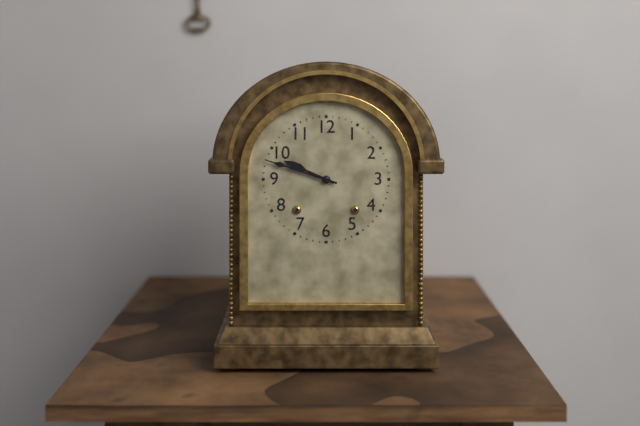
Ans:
9,48
